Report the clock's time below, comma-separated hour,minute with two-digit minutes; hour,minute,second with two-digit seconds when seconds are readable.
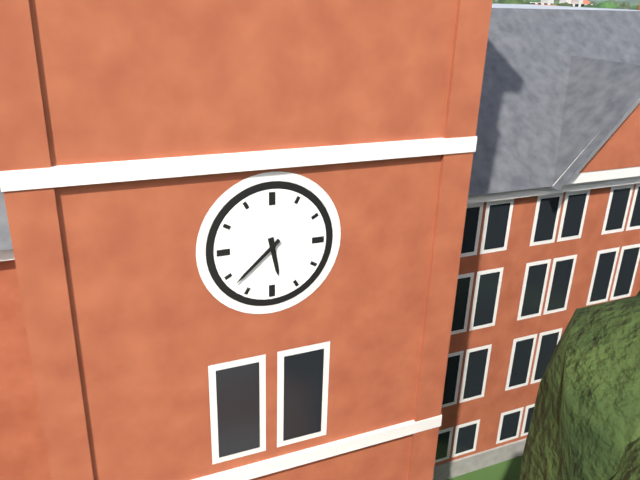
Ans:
5,38
